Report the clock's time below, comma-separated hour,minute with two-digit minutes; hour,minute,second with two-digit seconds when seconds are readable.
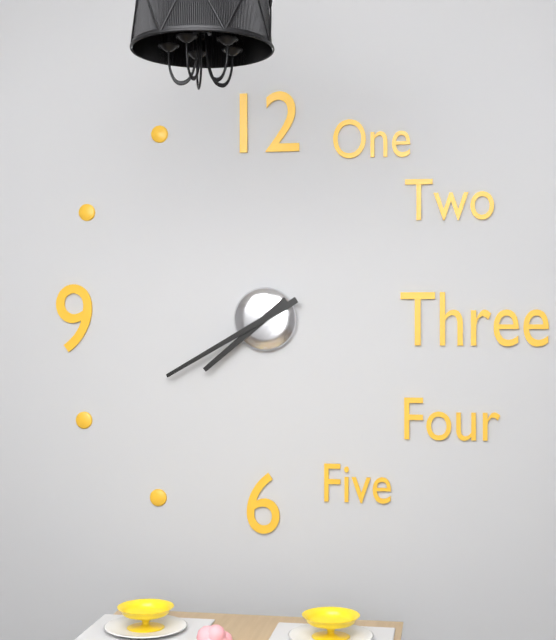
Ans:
7,40
